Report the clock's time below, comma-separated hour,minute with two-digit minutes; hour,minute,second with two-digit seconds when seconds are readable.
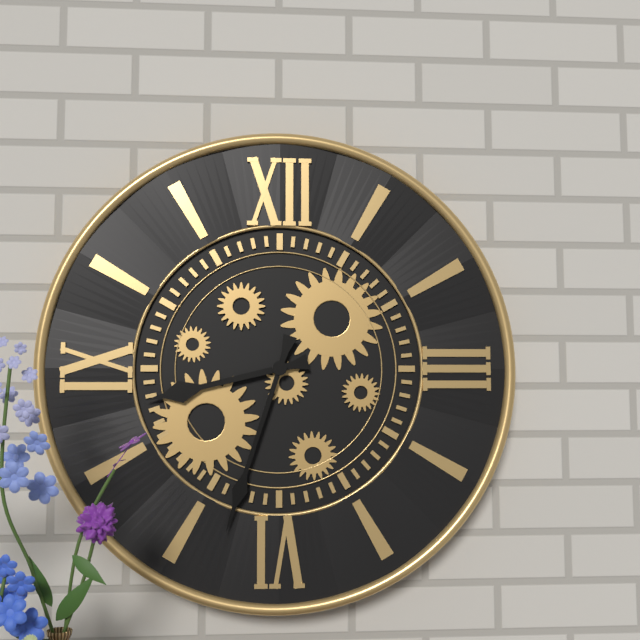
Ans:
8,33
